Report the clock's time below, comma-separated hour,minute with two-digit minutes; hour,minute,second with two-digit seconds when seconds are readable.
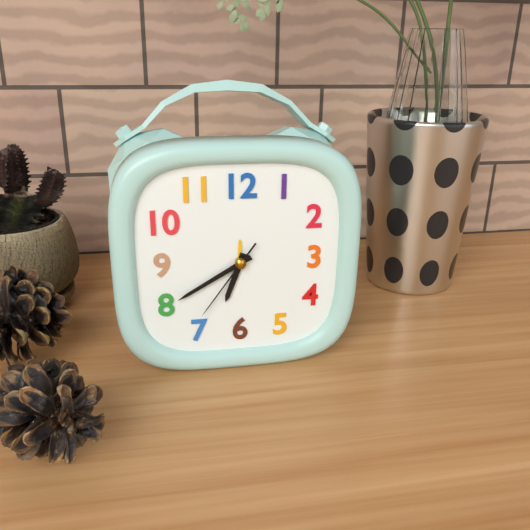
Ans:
6,40,36
